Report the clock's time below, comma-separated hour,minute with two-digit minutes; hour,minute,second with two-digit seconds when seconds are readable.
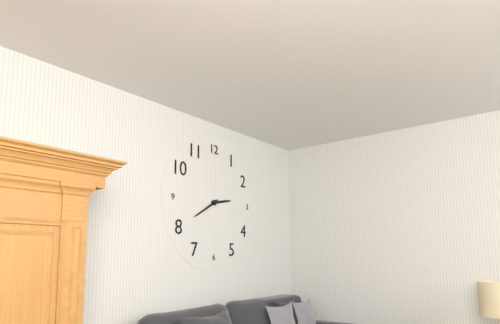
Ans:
2,40
